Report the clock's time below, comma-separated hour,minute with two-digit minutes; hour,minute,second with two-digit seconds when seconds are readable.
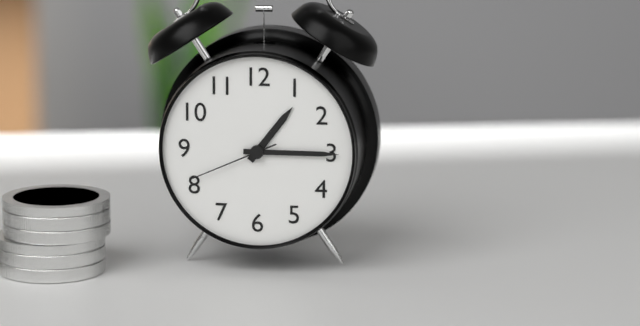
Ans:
1,15,41
